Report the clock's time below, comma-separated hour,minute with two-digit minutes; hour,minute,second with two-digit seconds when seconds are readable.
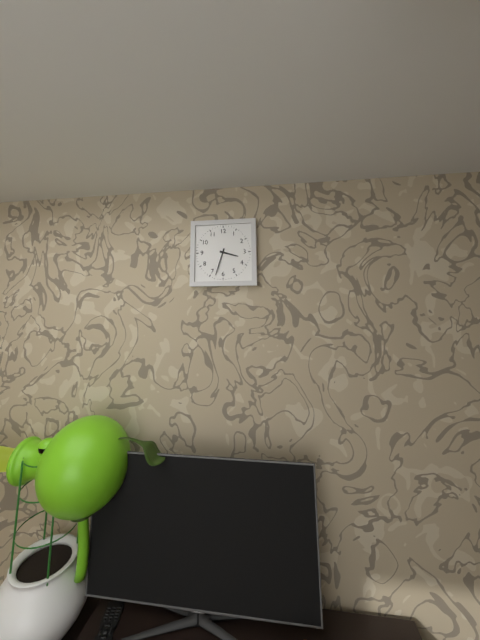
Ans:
3,33
